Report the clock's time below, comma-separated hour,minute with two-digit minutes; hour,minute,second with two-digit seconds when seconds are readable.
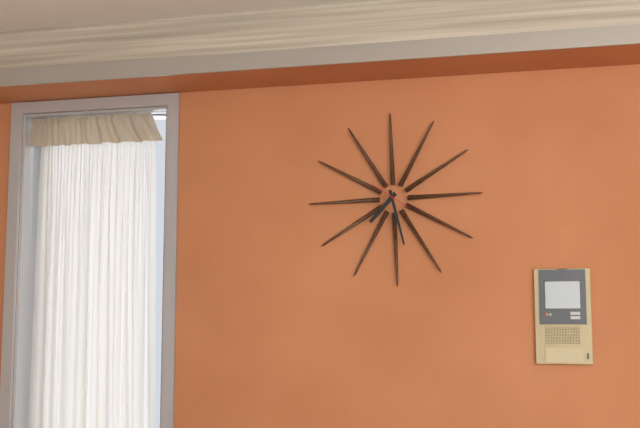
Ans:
7,28
